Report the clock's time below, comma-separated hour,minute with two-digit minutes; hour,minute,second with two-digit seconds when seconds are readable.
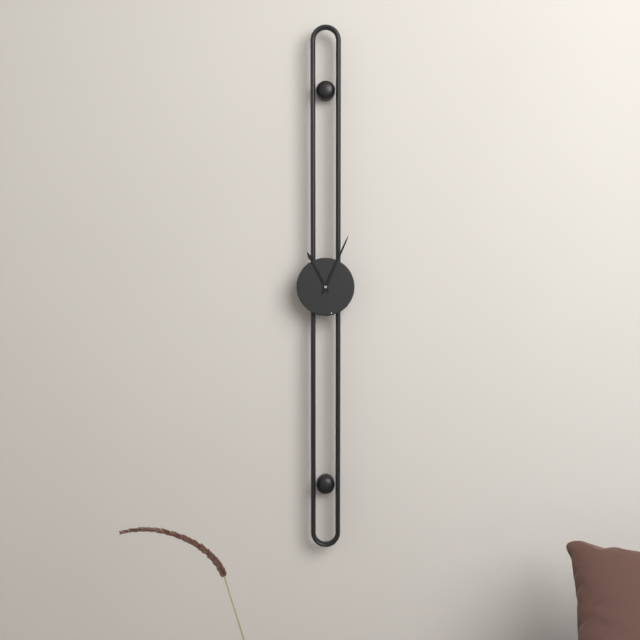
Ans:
11,04
